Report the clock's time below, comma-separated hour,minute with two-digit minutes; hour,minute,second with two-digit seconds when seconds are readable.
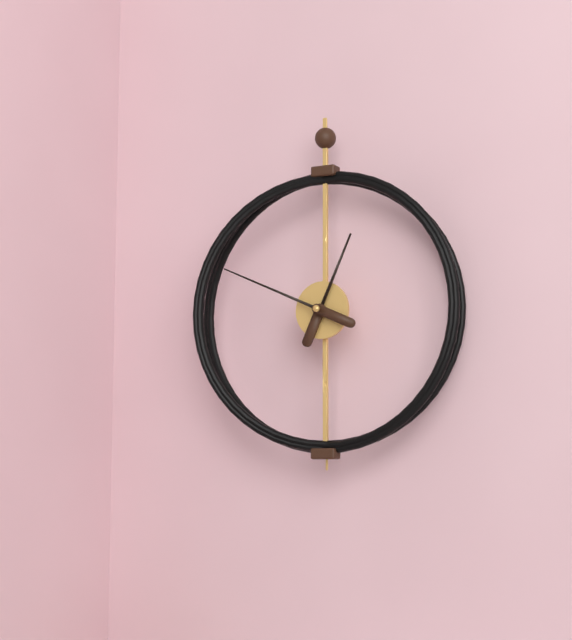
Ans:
12,49
